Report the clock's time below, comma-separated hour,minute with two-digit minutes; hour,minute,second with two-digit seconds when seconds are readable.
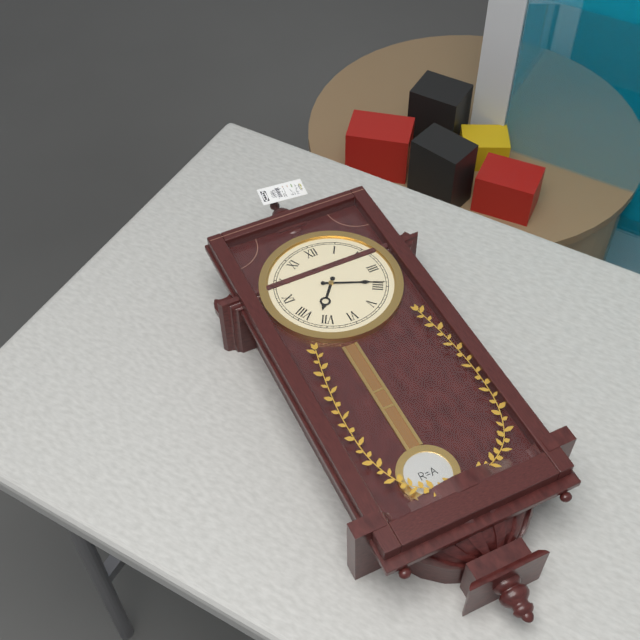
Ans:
7,19
